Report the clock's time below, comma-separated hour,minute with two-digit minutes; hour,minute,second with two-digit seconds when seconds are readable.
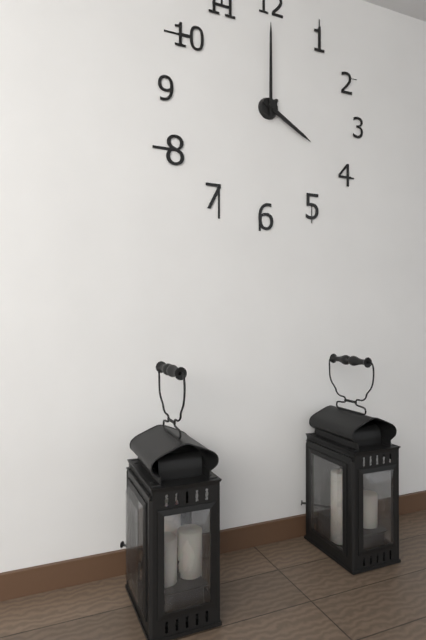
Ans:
4,00
